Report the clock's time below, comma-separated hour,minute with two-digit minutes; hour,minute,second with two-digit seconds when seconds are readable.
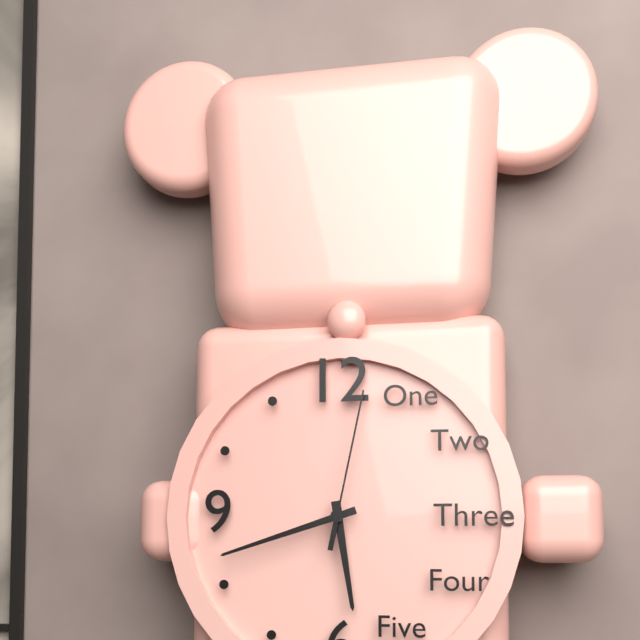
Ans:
5,42,02
